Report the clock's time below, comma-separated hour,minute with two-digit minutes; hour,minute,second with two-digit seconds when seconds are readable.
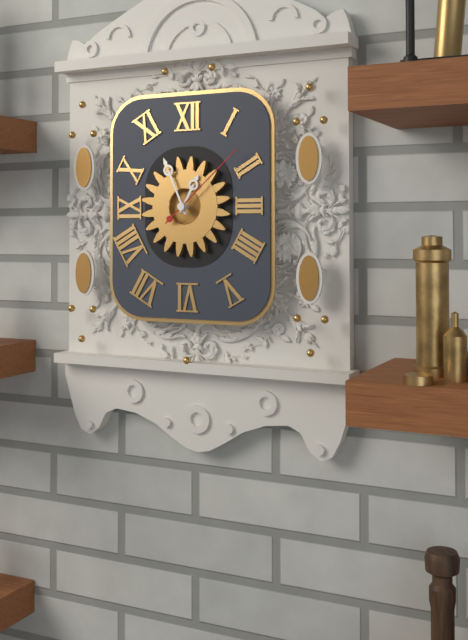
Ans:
12,56,08
